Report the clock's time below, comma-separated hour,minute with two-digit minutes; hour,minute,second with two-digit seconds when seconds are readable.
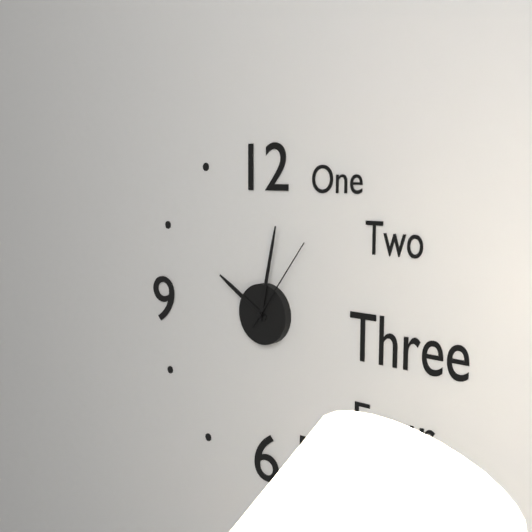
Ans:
10,02,06
